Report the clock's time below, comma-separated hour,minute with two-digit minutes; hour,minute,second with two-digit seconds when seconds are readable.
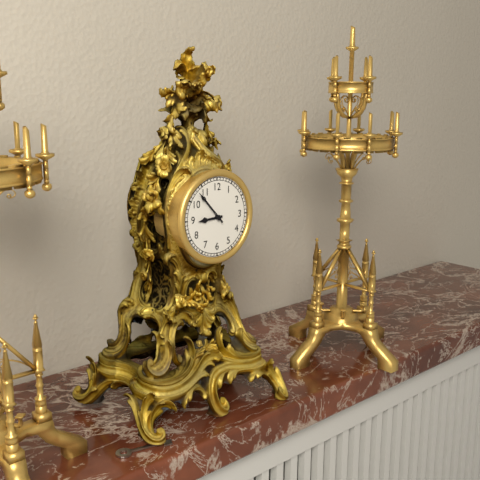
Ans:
8,53
